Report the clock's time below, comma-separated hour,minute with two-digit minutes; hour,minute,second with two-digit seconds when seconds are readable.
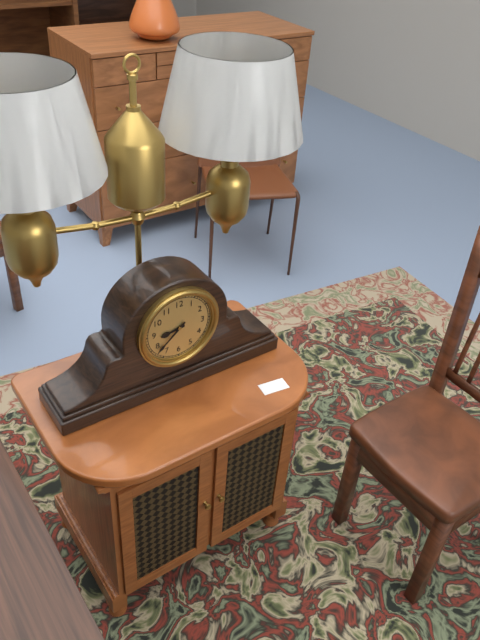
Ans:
8,38
